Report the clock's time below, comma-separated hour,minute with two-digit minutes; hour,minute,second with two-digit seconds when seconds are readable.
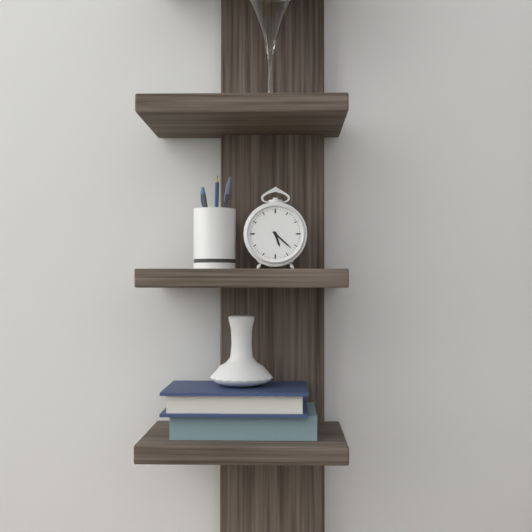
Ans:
5,22
